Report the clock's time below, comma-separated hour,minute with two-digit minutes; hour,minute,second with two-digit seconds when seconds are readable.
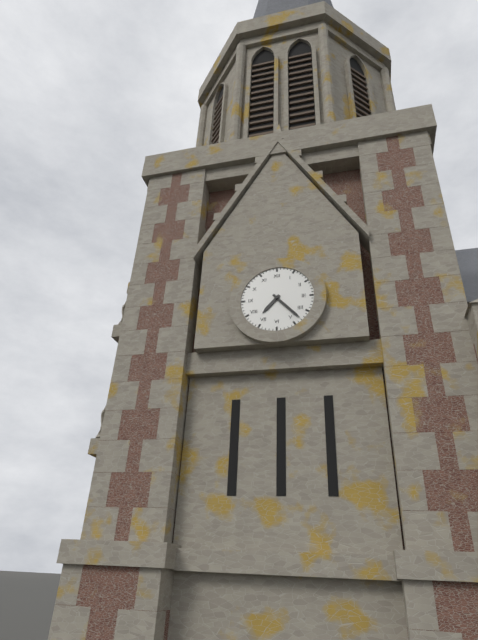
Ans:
7,23
